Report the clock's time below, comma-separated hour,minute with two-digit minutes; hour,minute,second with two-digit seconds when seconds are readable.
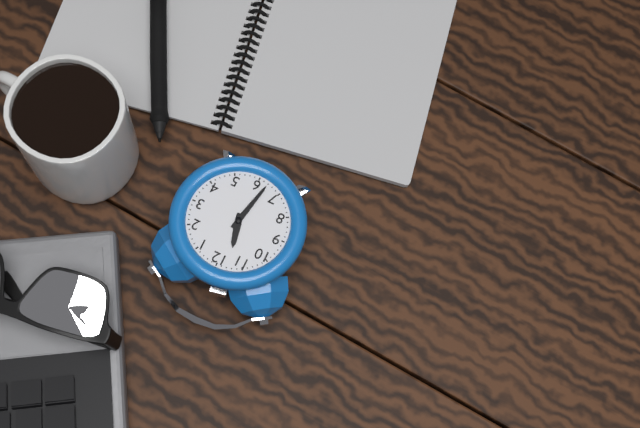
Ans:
11,32
